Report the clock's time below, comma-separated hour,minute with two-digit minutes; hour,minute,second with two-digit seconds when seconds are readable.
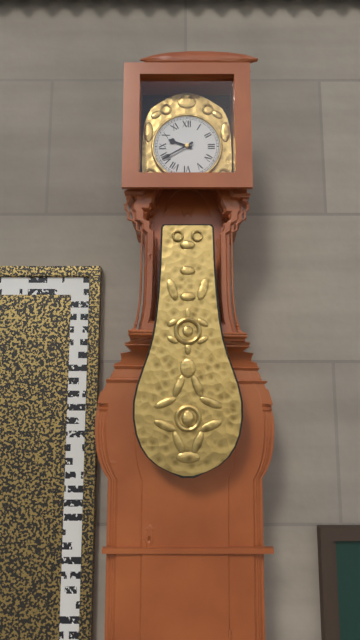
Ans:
9,40
